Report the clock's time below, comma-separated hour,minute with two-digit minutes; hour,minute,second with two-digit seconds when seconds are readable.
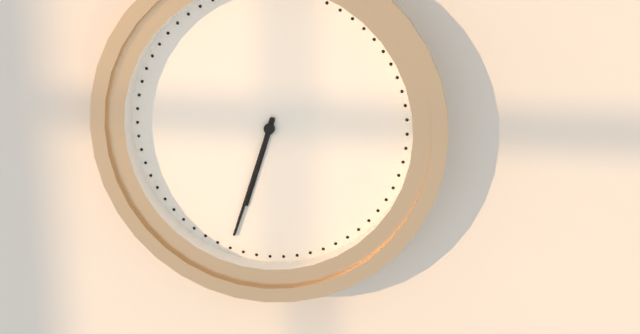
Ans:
6,33
